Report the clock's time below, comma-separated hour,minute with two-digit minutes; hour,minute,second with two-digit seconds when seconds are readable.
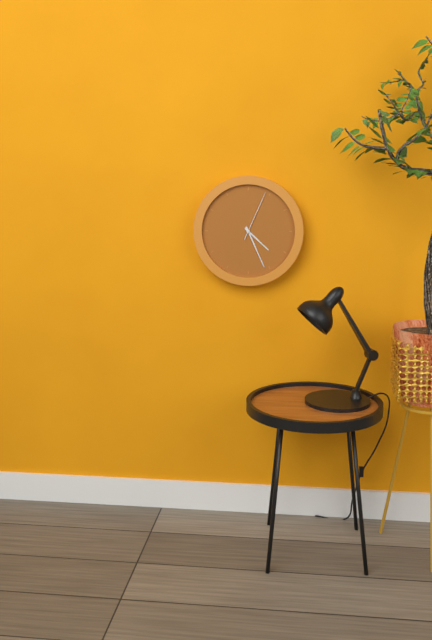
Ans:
4,26,04
